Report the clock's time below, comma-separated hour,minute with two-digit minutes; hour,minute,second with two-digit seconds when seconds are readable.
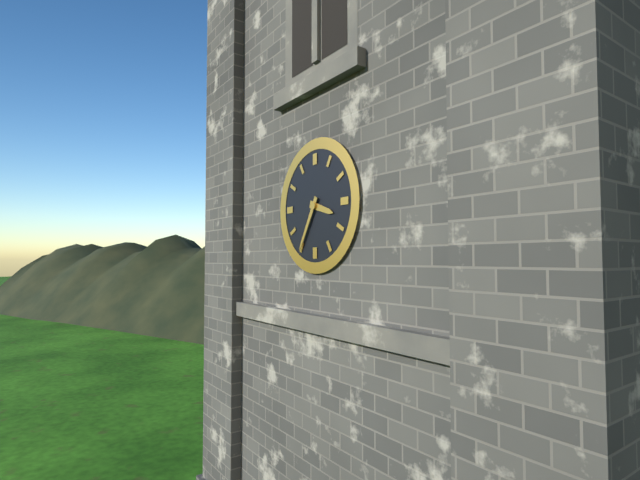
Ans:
3,35
